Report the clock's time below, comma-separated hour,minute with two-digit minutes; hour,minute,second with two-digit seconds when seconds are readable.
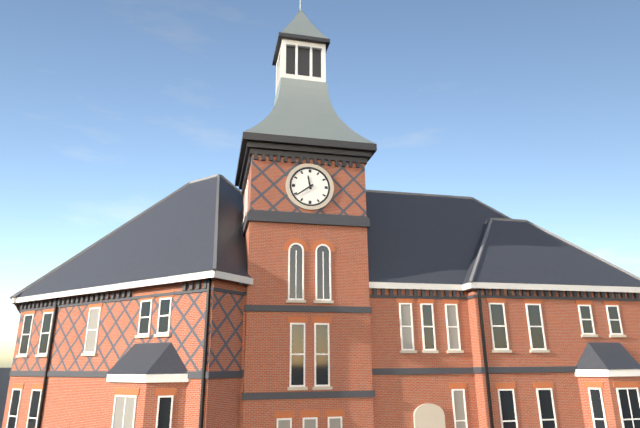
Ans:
11,39
